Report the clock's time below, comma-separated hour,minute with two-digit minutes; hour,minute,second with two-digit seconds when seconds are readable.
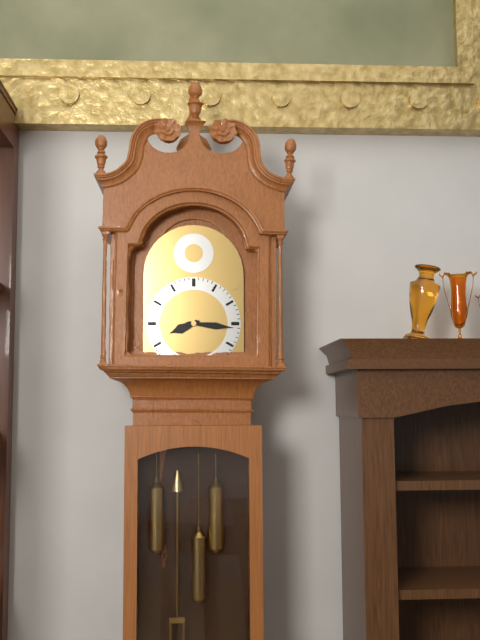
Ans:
8,16
